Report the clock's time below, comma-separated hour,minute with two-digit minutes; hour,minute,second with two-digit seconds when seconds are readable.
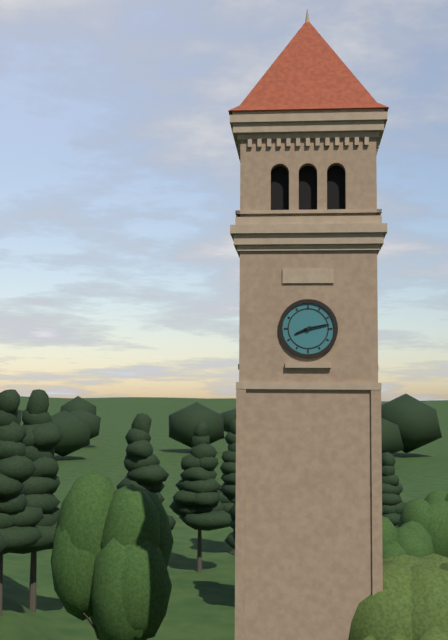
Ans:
8,13
